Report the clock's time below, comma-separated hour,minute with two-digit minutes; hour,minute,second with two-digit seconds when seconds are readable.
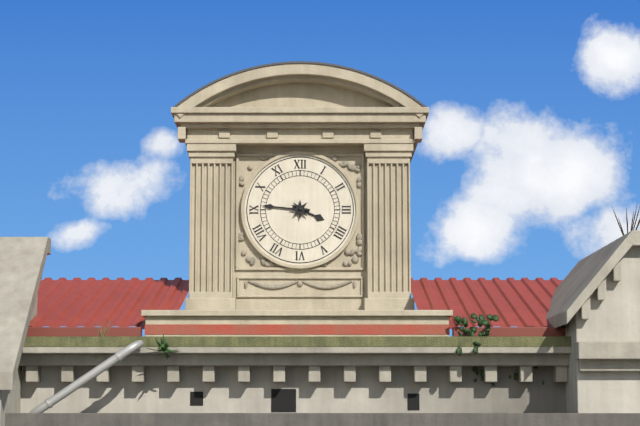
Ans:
3,46
